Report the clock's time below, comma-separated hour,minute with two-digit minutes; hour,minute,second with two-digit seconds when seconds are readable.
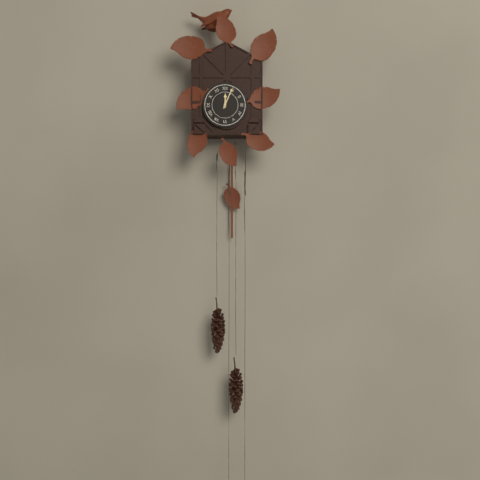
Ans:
12,04
